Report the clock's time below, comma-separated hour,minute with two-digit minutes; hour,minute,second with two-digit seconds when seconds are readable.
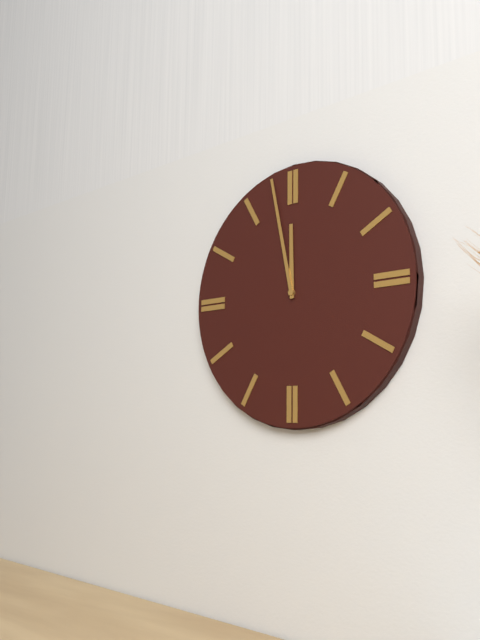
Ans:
11,58
